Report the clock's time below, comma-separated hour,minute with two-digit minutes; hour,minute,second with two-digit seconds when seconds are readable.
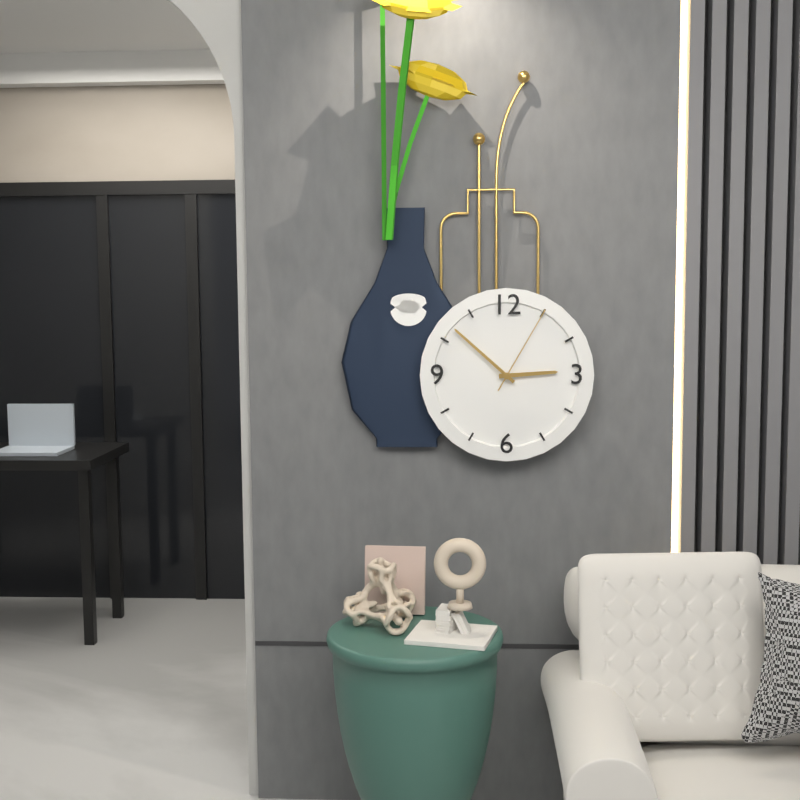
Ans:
2,52,05
